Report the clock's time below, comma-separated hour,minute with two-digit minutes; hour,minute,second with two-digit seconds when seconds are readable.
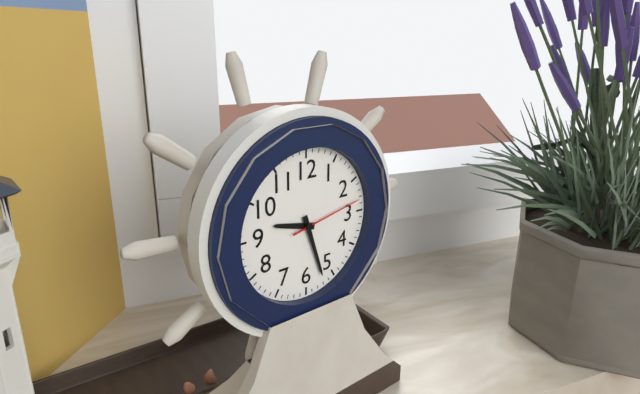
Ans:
9,27,13
